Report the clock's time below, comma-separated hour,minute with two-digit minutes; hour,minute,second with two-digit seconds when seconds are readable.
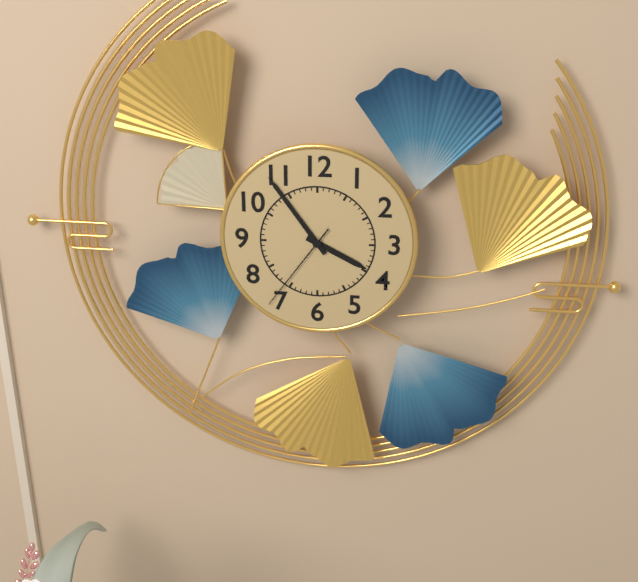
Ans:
3,54,36
